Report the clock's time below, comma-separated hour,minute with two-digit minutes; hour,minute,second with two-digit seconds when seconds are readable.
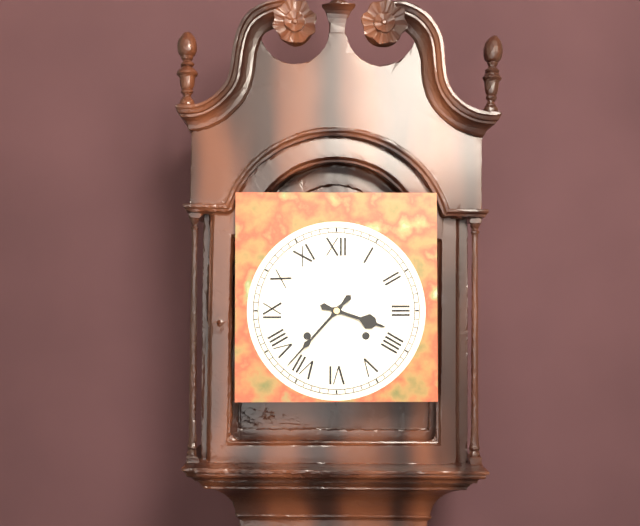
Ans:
3,37
